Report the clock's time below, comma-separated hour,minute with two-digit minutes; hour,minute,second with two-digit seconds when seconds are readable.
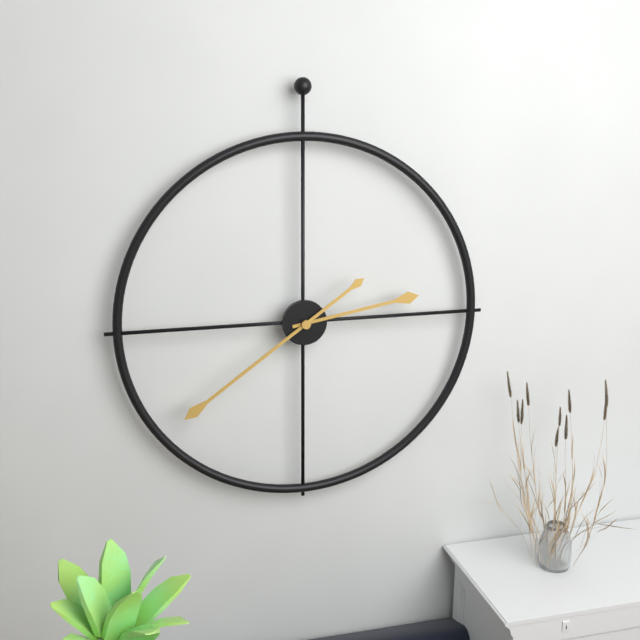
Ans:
2,39
